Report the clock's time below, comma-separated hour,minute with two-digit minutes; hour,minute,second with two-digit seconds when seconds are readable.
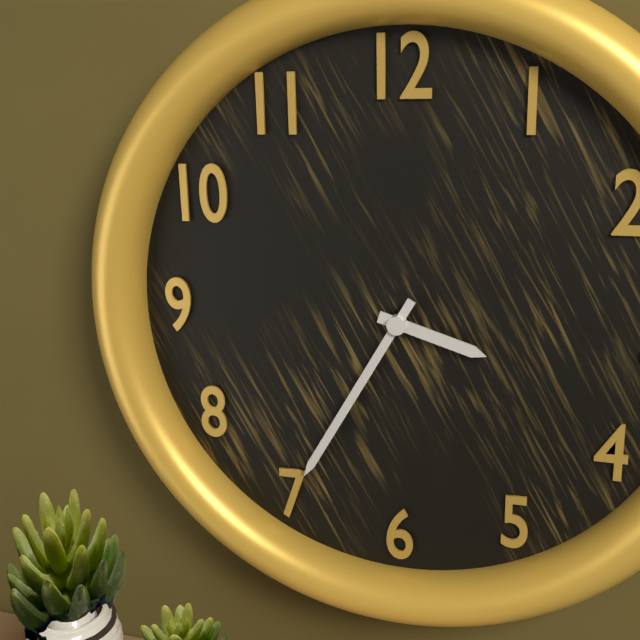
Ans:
3,35
